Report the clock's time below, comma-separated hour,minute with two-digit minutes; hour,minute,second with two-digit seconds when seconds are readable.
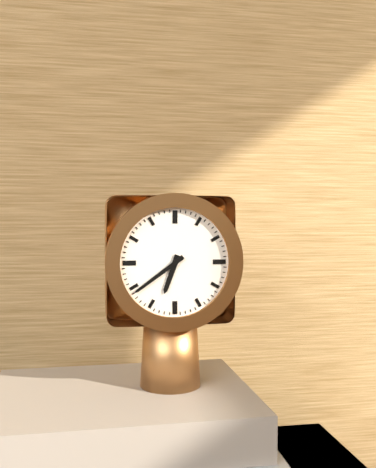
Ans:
6,39
